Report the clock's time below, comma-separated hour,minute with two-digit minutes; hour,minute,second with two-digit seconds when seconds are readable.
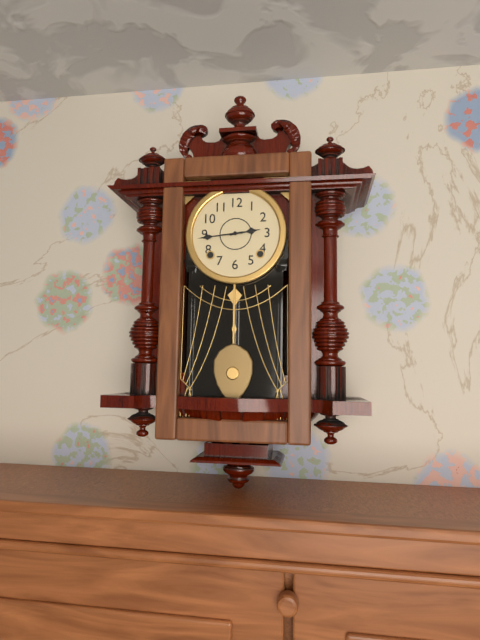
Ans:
2,44
